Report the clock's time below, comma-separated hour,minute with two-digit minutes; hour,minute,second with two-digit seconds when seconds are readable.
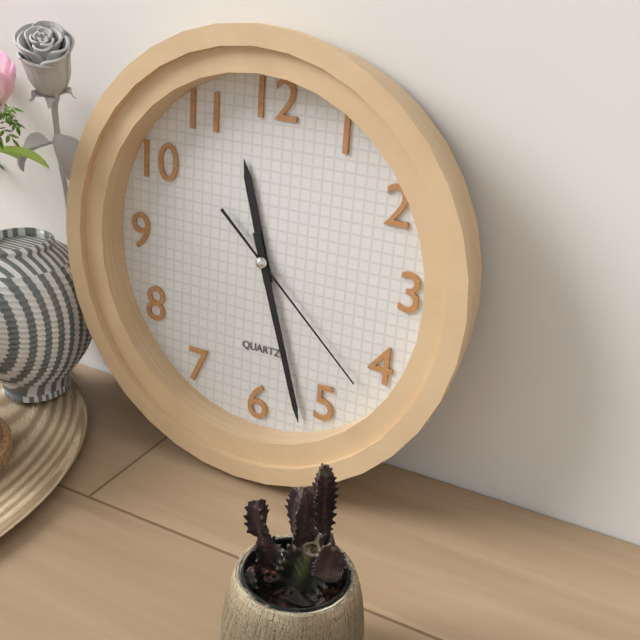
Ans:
11,27,22
